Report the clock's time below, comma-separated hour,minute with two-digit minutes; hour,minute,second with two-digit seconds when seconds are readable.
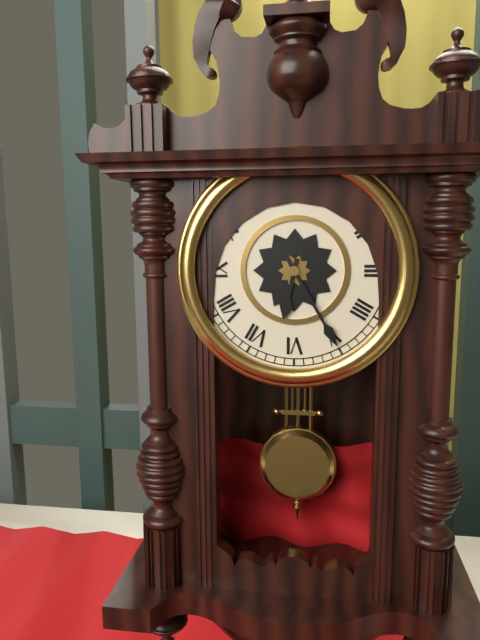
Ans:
6,25
